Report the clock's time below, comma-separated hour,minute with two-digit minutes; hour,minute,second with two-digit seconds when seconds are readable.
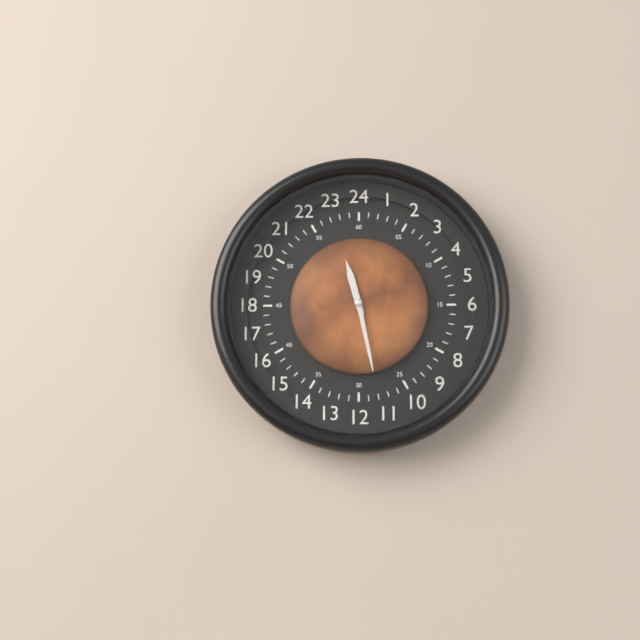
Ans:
11,28
